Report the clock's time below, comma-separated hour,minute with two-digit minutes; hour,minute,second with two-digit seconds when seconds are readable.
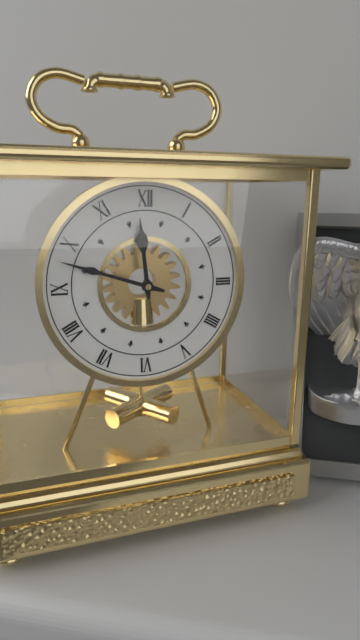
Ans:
11,48
